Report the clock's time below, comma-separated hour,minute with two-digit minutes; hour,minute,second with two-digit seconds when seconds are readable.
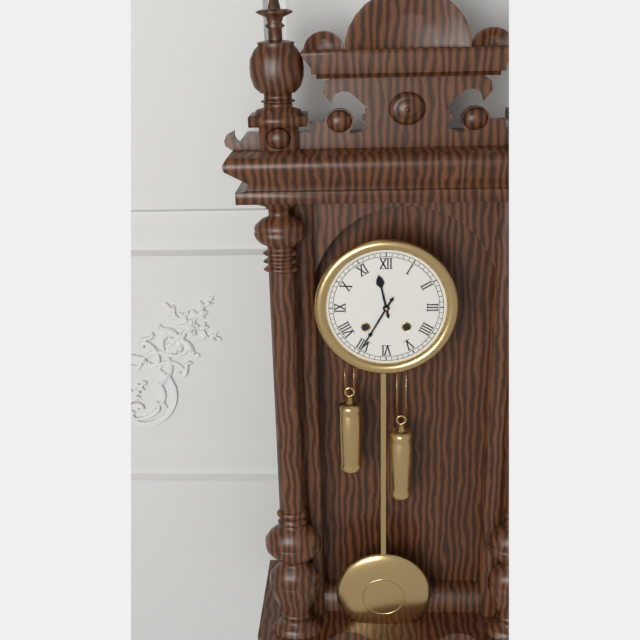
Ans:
11,35
